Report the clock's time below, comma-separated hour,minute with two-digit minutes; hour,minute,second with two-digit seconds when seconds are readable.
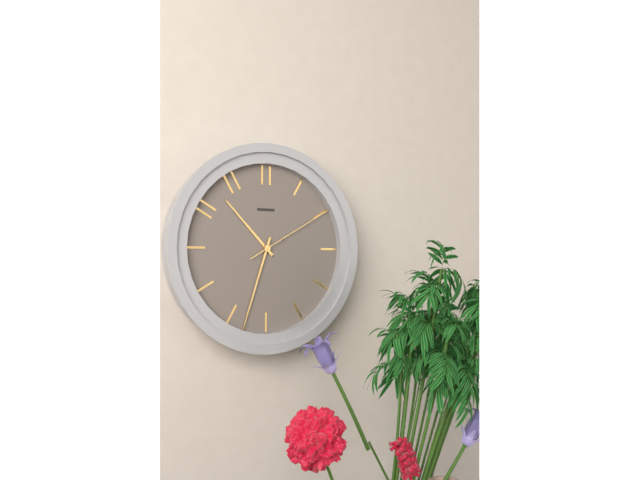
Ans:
10,33,10
